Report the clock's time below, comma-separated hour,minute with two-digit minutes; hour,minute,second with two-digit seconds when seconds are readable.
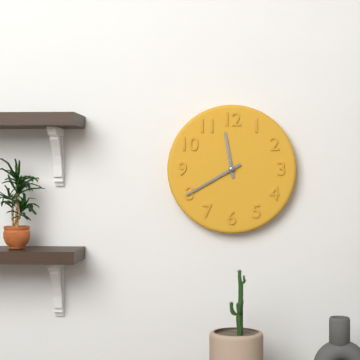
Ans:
11,40
